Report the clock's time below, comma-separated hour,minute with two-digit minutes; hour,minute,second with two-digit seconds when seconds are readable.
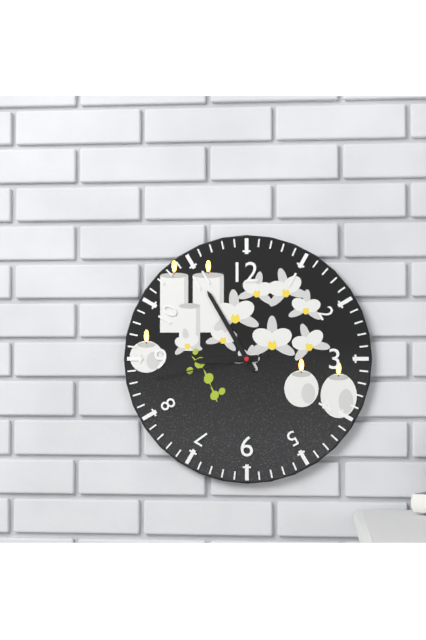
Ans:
8,55,43
